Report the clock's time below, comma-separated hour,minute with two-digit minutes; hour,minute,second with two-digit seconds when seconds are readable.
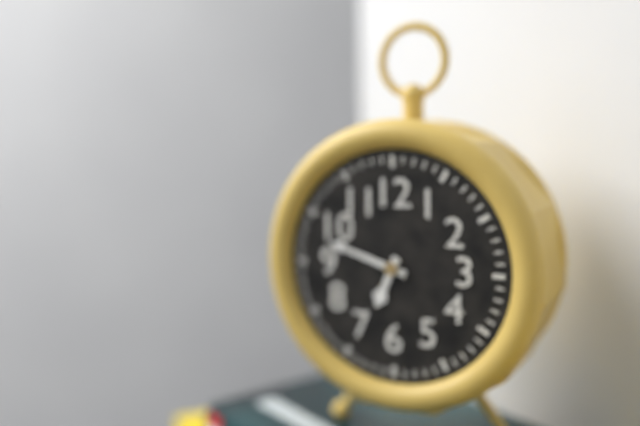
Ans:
6,48
